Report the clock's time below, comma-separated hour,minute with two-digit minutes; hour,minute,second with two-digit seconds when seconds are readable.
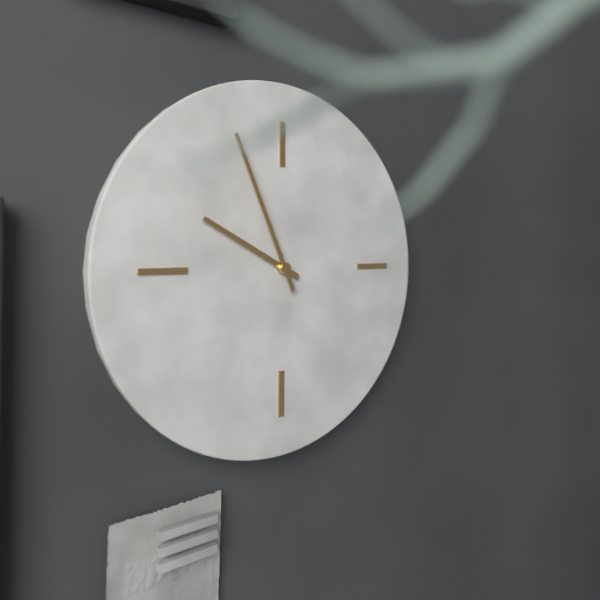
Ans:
9,56
